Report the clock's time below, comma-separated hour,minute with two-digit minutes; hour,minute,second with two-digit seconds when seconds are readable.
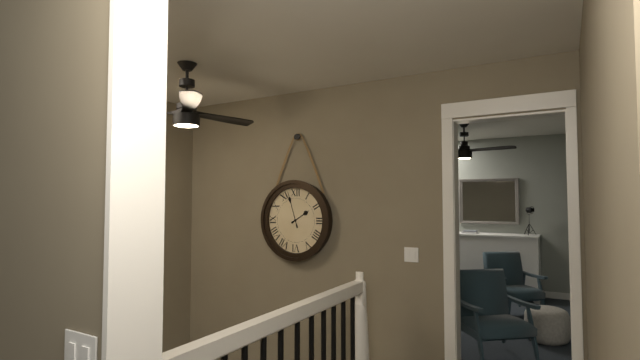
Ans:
1,57
